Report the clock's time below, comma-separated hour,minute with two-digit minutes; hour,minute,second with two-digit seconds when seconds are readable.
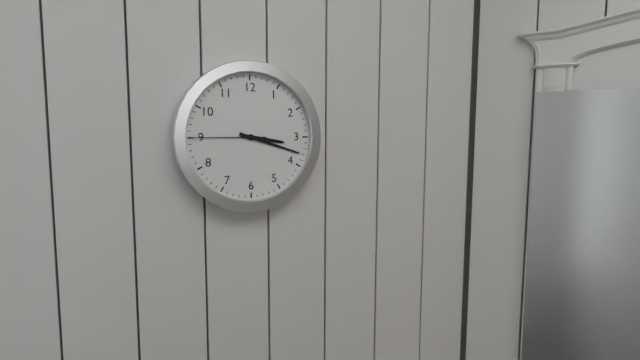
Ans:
3,18,45
